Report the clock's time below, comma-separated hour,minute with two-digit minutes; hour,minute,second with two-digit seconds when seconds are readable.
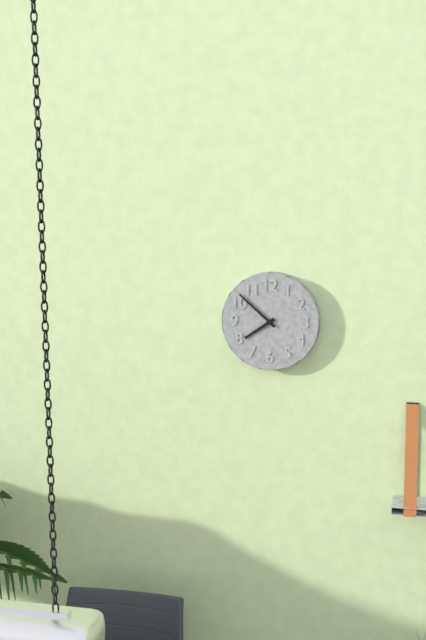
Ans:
7,52
